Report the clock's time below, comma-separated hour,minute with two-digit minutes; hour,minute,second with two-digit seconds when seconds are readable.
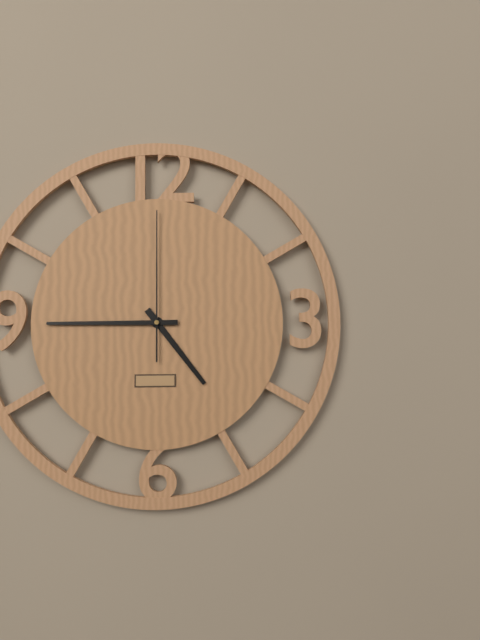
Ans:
4,45,00
